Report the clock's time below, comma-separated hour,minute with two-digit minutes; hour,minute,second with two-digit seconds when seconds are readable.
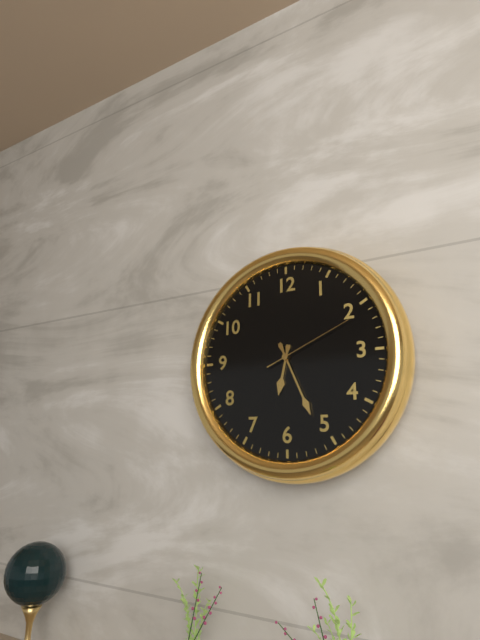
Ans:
6,26,11
